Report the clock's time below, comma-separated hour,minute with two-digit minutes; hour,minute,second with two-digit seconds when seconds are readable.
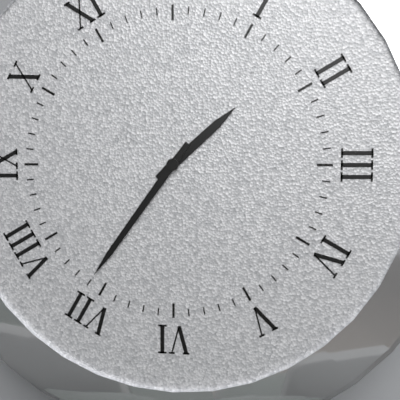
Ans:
1,36
